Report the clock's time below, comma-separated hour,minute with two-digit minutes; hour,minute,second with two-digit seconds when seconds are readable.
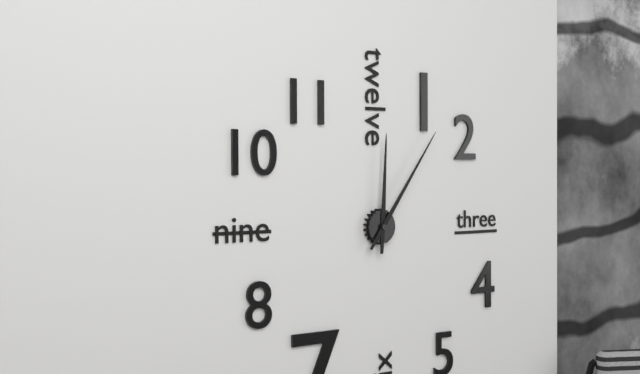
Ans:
12,06
